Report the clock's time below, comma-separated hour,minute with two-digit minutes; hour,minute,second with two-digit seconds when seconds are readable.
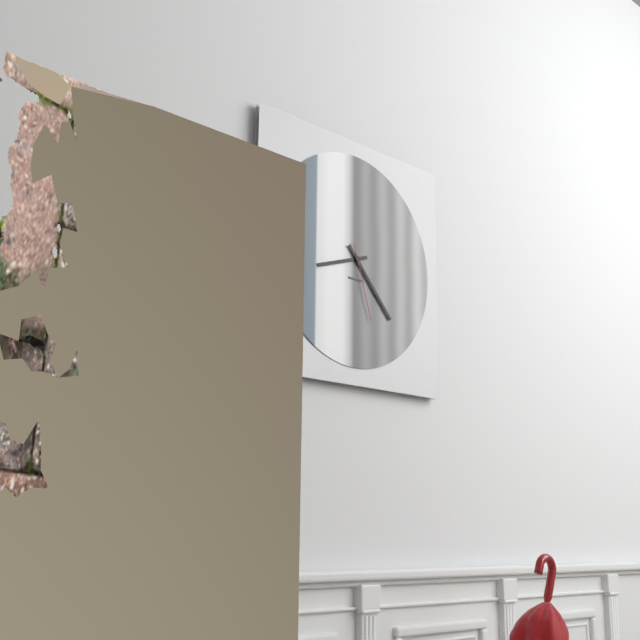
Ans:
8,23,27
